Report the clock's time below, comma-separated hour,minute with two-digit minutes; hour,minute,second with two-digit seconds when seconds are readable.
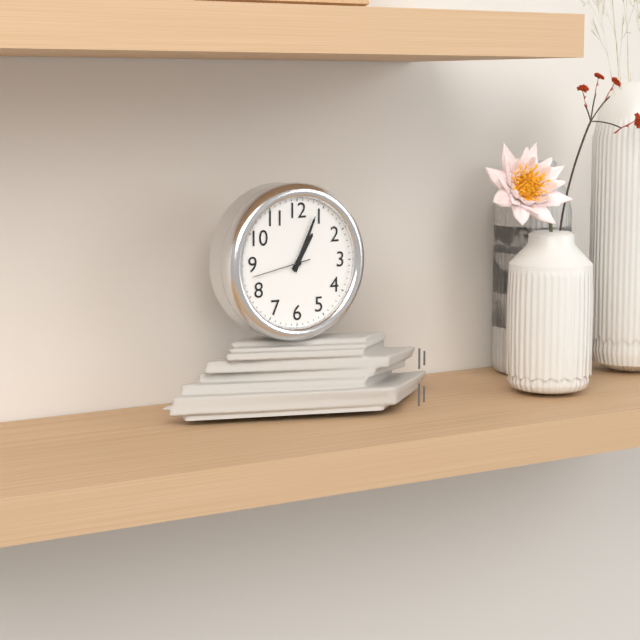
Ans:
1,04,43
